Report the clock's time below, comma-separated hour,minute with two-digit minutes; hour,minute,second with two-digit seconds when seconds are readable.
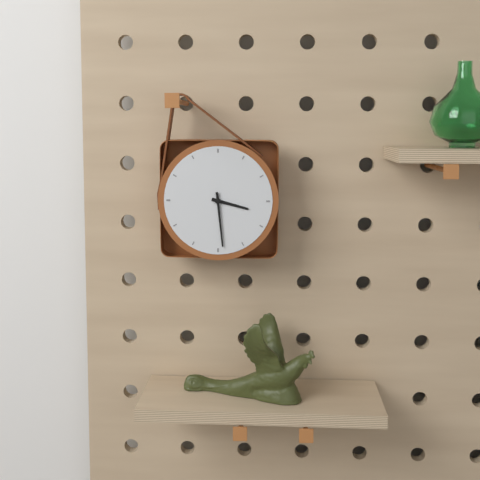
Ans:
3,29
